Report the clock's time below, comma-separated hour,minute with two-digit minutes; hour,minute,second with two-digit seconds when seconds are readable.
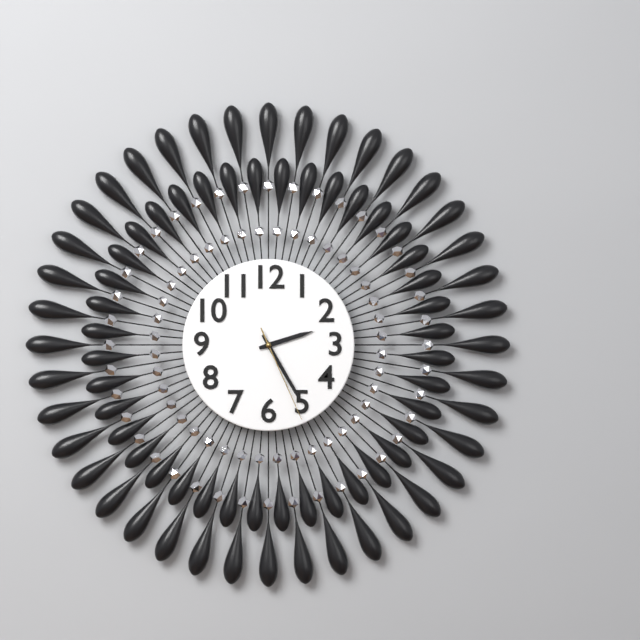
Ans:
2,25,26
